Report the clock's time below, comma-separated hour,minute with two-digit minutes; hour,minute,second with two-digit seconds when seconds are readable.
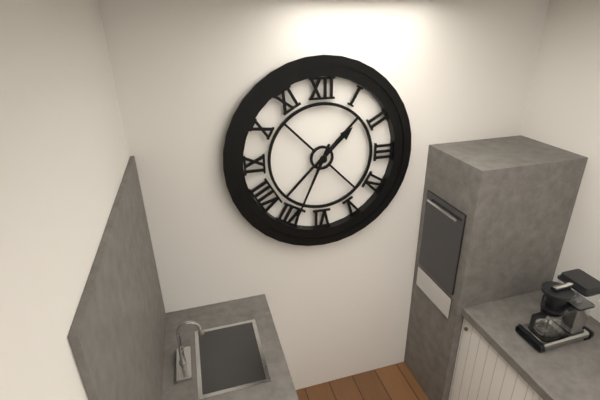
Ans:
1,34
